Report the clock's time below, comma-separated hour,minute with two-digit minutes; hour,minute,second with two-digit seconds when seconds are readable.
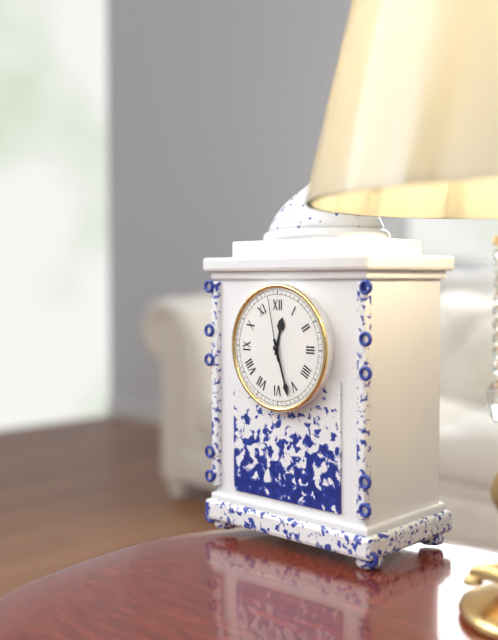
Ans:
12,27,58
